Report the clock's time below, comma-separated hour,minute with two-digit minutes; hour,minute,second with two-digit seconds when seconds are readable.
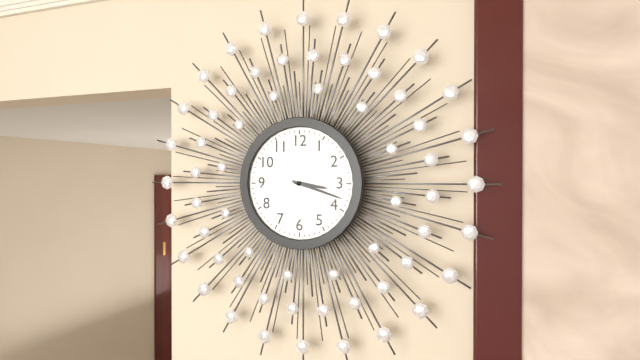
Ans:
3,18
